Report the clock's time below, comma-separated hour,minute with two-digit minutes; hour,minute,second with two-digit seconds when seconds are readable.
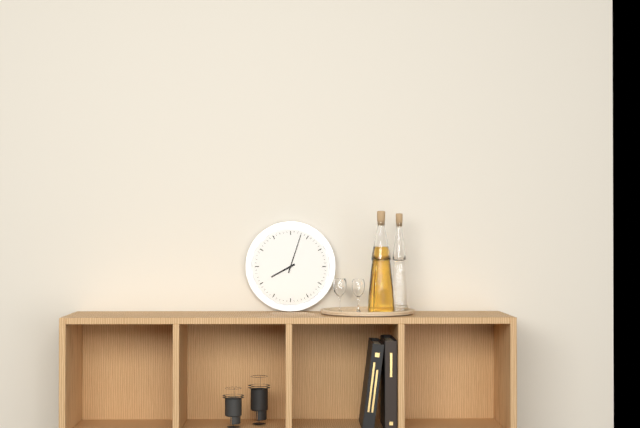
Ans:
8,03
